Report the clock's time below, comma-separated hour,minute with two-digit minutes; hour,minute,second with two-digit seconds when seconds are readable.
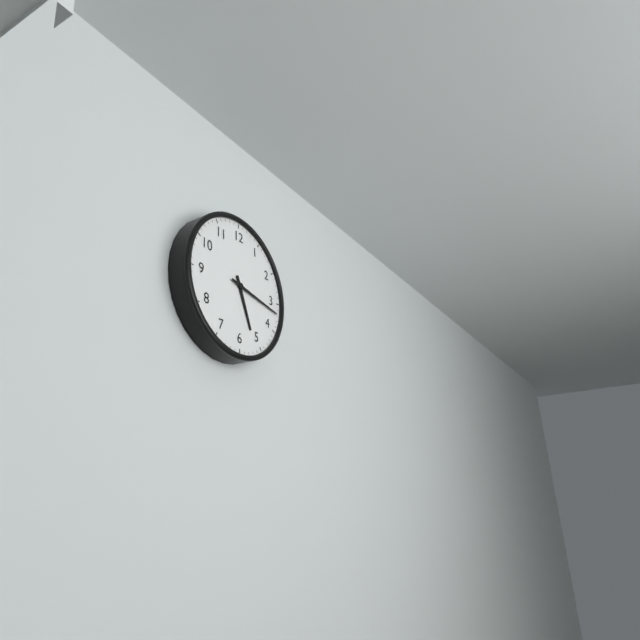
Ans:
5,17
